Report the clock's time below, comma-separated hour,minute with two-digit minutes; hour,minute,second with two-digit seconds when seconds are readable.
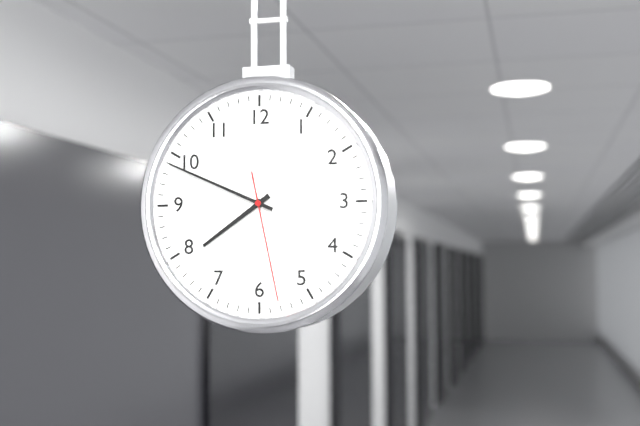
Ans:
7,49,28
